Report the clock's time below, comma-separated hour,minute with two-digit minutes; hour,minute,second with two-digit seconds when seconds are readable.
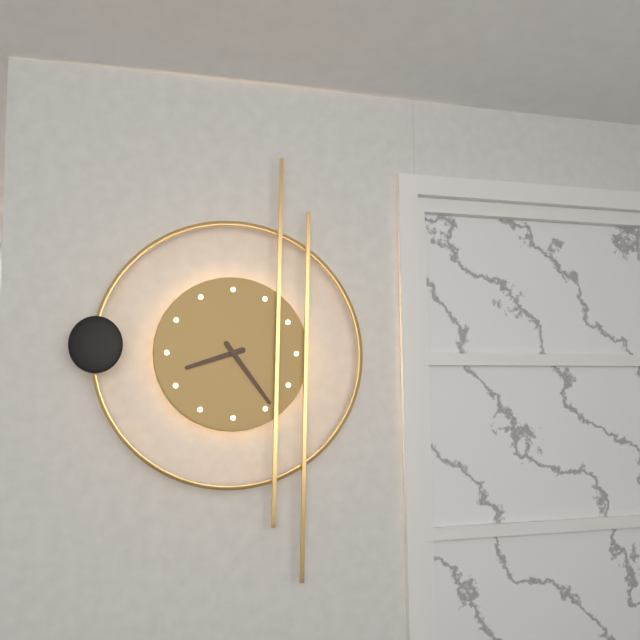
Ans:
8,24
